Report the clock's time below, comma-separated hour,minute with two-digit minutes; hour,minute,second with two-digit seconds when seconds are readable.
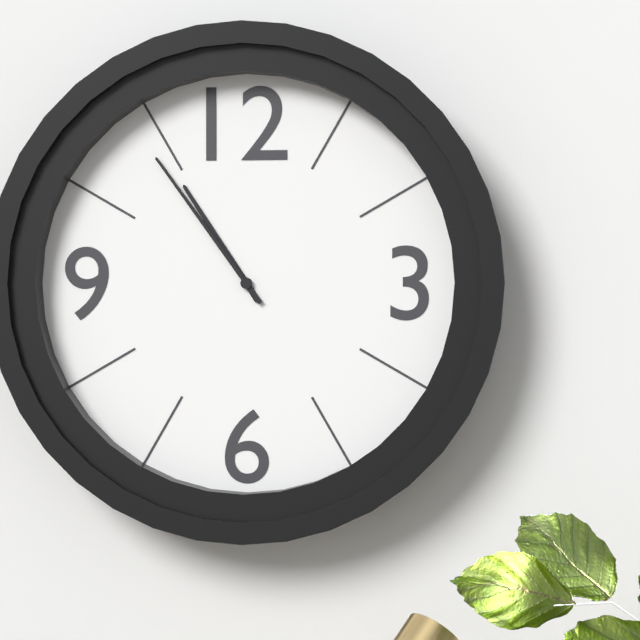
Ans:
10,54
